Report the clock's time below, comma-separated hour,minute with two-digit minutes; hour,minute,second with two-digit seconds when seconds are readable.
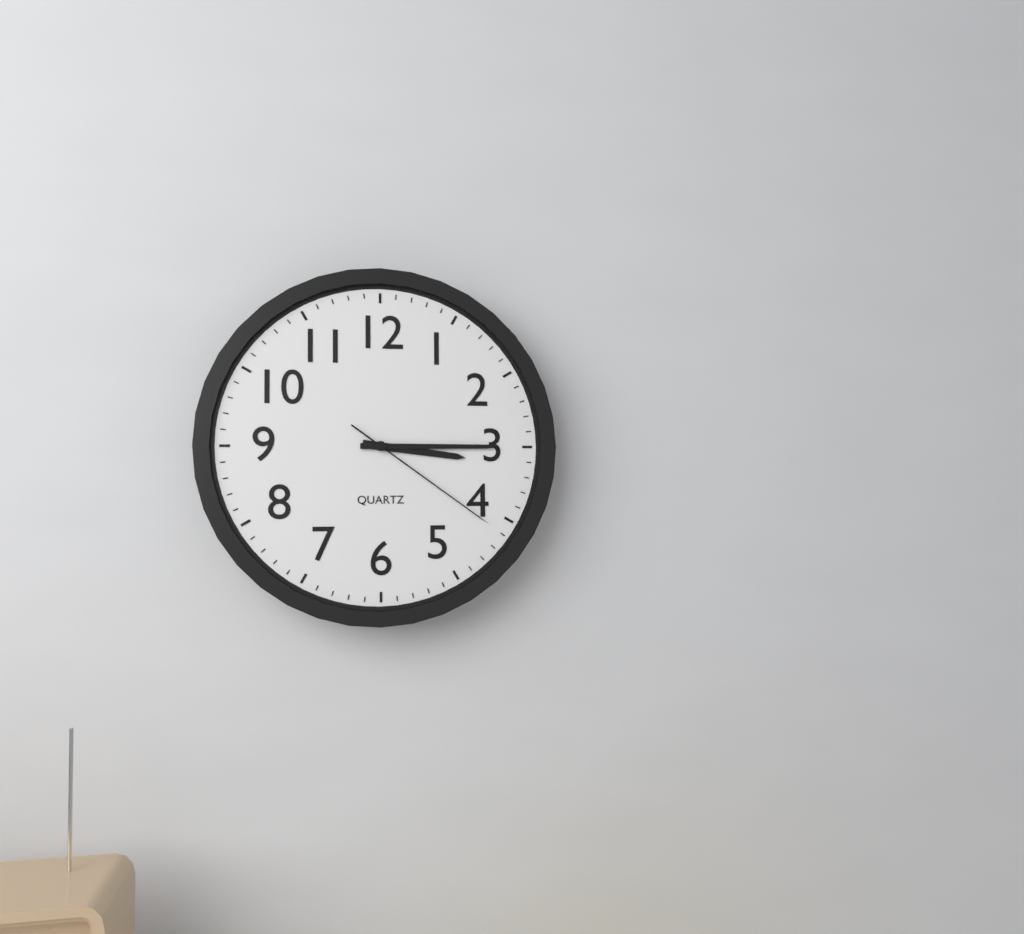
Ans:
3,15,21
